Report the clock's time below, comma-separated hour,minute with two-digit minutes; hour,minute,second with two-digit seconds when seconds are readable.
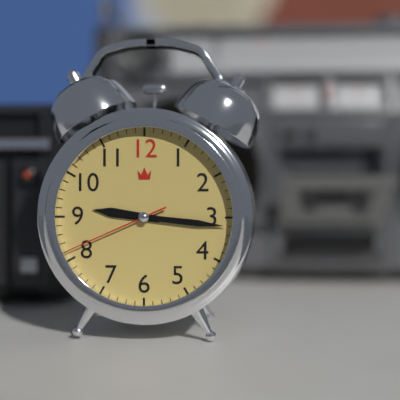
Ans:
9,16,41
